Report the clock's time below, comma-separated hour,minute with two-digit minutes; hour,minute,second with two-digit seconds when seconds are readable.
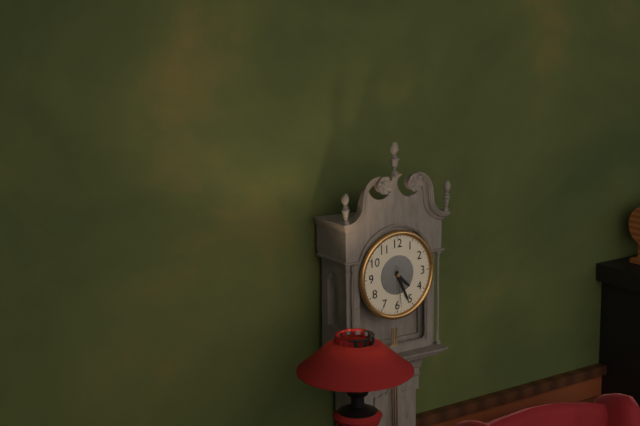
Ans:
4,26
